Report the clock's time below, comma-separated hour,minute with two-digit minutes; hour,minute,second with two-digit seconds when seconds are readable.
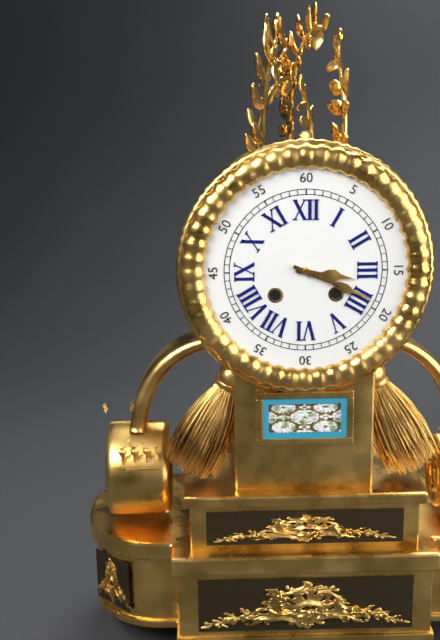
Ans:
3,19
